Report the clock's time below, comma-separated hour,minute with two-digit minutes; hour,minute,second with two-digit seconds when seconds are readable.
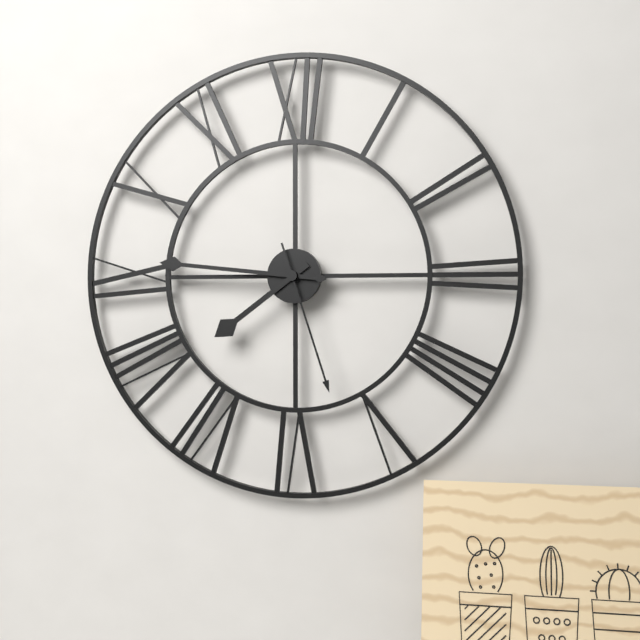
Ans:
7,46,27
